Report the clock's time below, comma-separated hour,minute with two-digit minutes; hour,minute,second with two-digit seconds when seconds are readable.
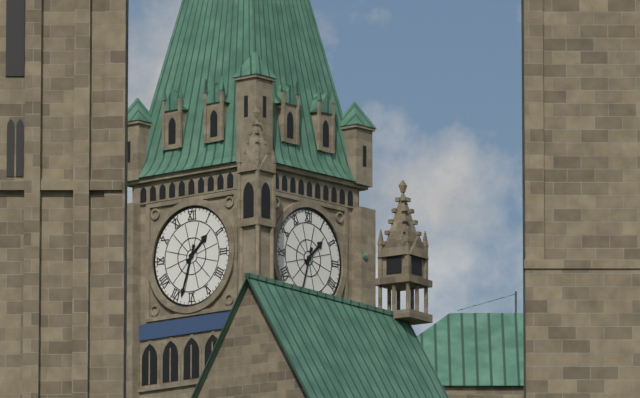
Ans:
1,33
